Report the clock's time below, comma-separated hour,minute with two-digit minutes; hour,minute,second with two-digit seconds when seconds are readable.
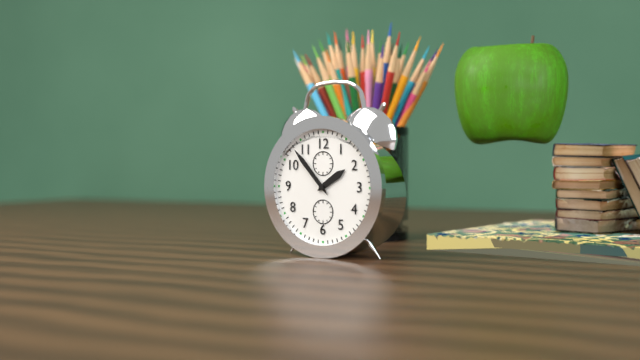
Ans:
1,53
